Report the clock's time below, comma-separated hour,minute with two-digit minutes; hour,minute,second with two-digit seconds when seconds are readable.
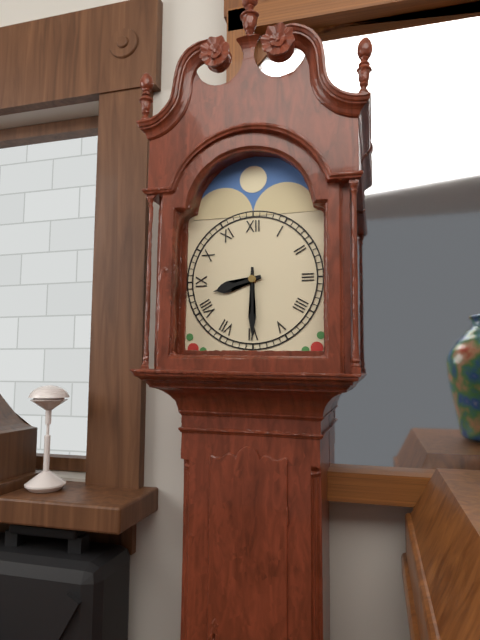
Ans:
8,30
